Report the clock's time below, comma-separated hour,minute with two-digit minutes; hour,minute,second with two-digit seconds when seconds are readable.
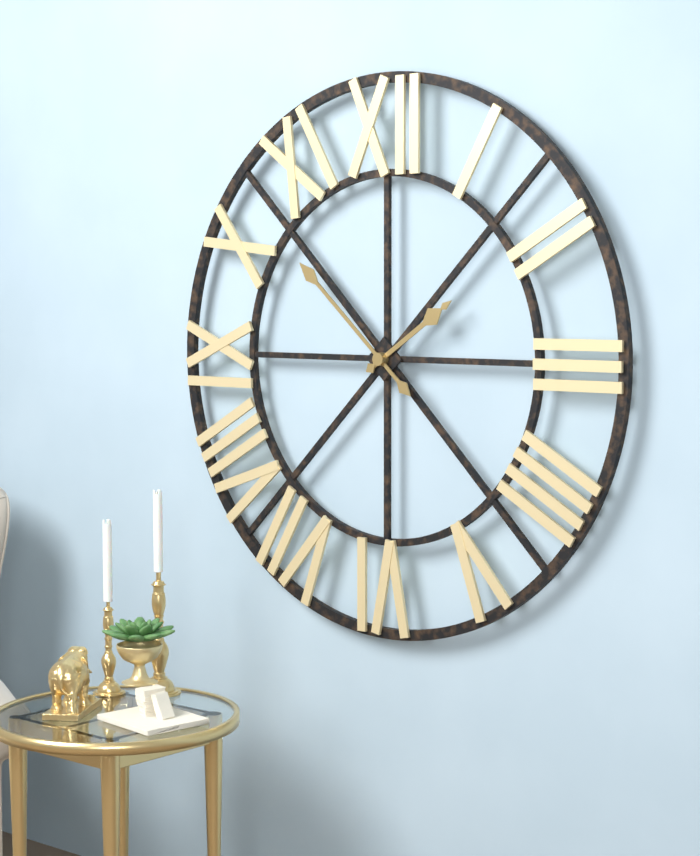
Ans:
1,52
